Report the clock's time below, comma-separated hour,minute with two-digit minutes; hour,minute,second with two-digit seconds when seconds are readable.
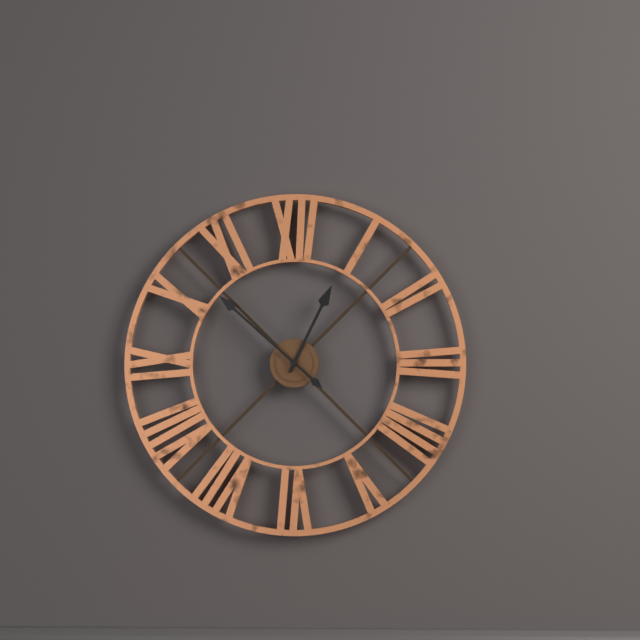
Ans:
12,52
